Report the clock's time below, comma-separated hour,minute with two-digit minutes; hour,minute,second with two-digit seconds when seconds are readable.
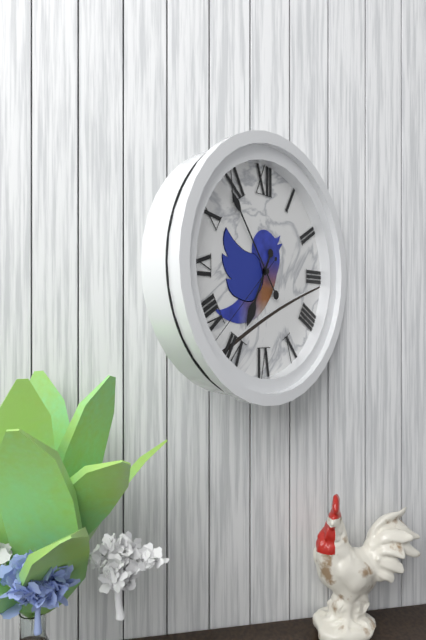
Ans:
6,54,38
